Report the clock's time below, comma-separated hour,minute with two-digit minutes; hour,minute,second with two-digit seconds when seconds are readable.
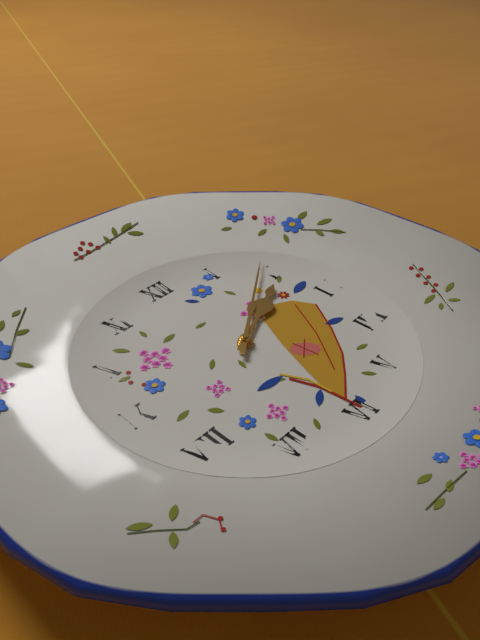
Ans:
2,09
